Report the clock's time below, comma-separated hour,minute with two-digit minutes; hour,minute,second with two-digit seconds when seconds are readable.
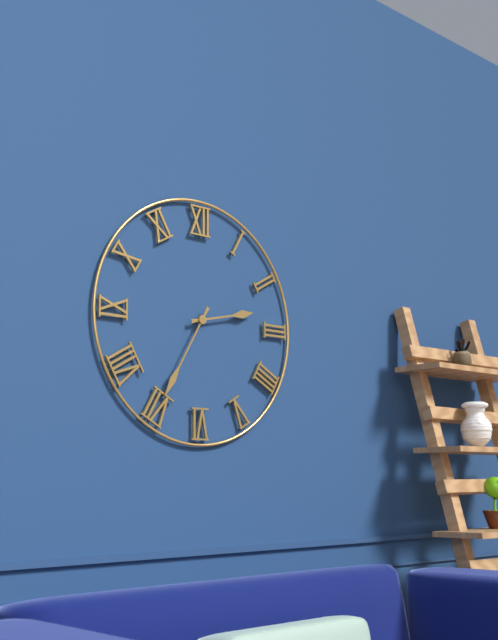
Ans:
2,35
